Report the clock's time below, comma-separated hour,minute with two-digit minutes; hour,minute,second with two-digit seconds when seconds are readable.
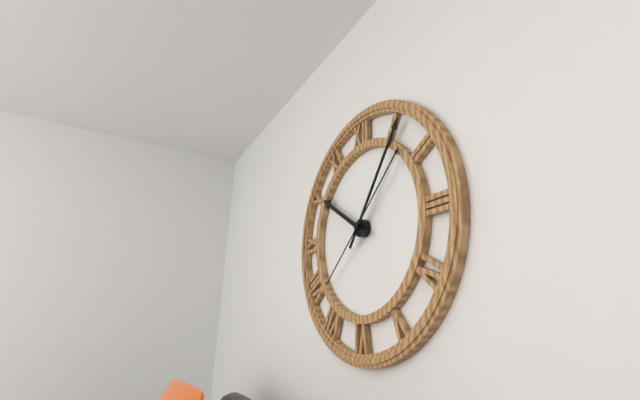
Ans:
10,06,08
